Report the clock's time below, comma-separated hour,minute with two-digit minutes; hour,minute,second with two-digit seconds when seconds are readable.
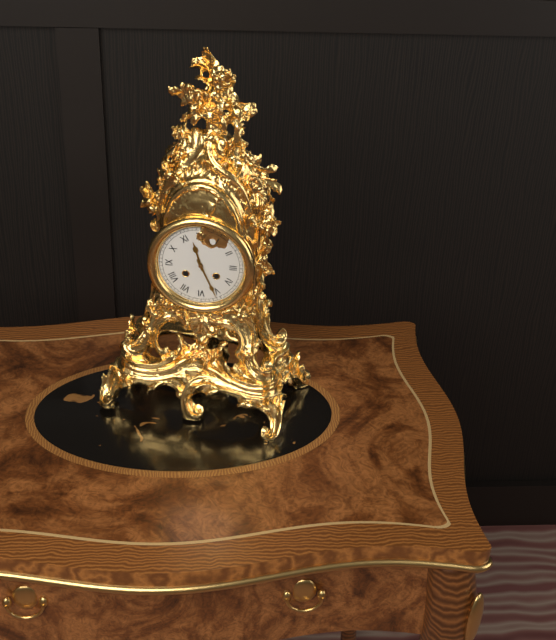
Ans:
11,26
